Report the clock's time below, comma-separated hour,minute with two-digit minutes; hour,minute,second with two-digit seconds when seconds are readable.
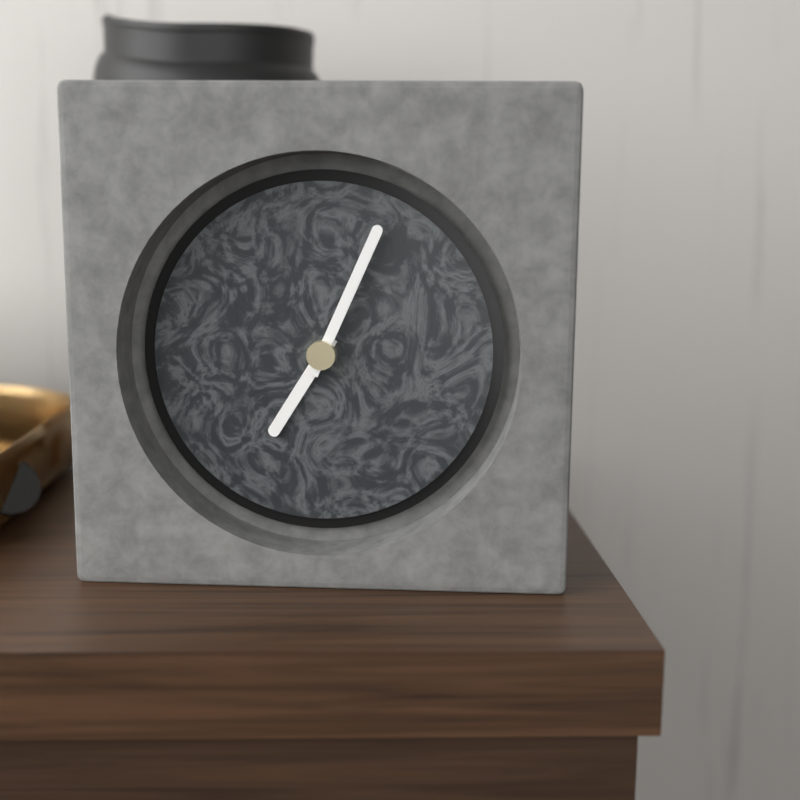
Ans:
7,04
